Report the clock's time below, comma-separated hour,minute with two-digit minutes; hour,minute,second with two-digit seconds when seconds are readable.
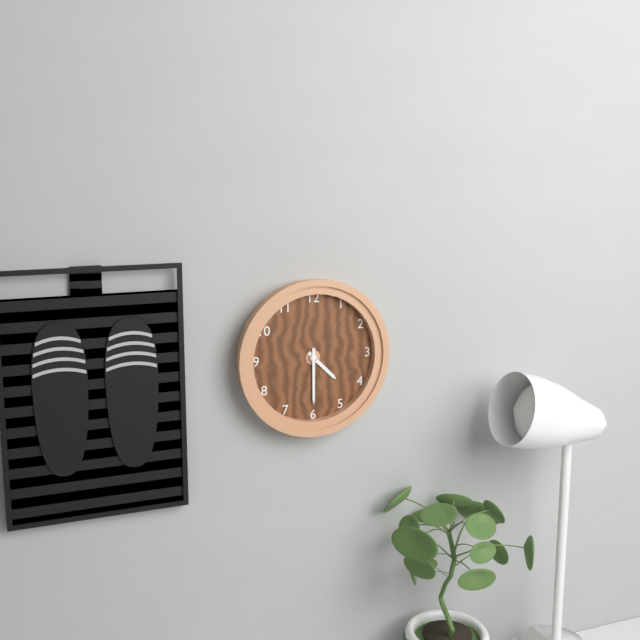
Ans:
4,30
